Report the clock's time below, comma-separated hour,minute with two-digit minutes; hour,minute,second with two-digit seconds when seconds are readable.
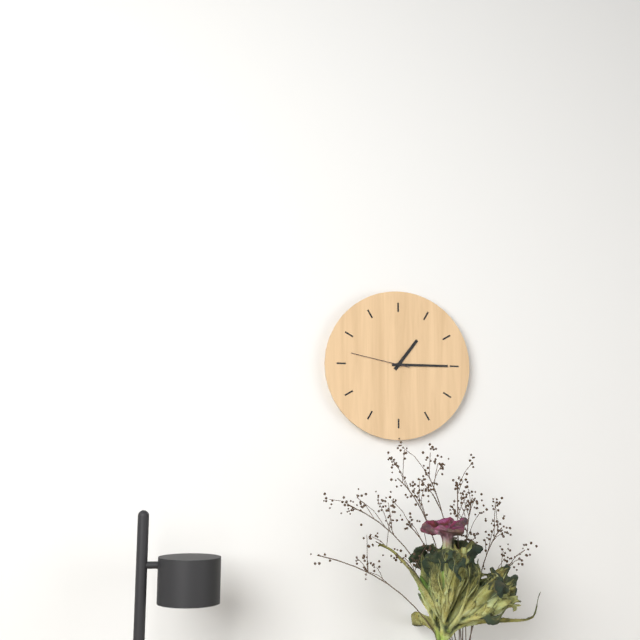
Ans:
1,15,47
